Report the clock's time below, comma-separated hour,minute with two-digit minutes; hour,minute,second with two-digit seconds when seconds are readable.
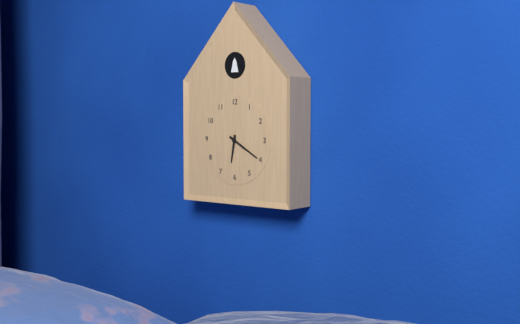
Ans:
6,20
